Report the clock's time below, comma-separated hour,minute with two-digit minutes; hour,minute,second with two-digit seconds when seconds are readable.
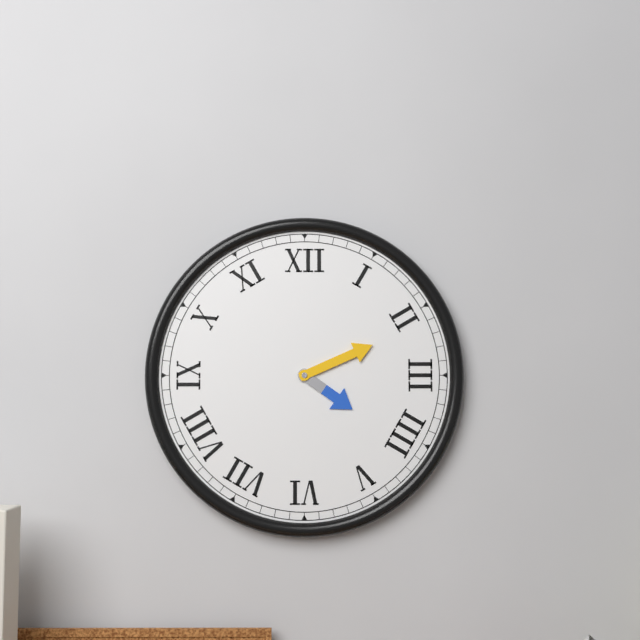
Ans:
4,11
